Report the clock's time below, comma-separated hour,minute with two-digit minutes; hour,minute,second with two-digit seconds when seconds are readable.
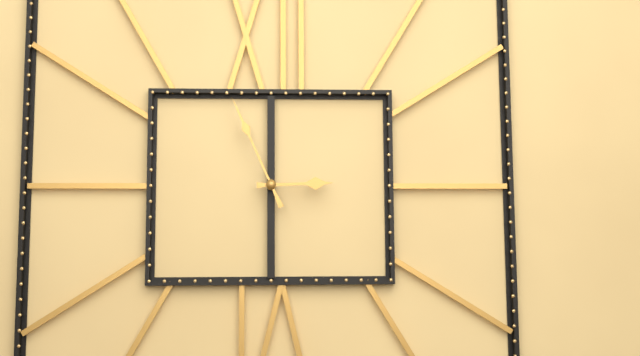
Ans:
2,56
